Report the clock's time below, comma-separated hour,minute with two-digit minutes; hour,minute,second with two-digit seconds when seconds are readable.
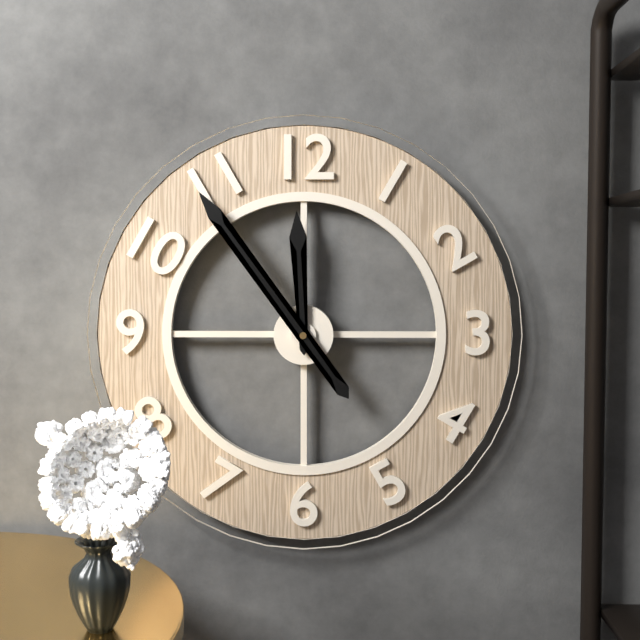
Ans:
11,54
